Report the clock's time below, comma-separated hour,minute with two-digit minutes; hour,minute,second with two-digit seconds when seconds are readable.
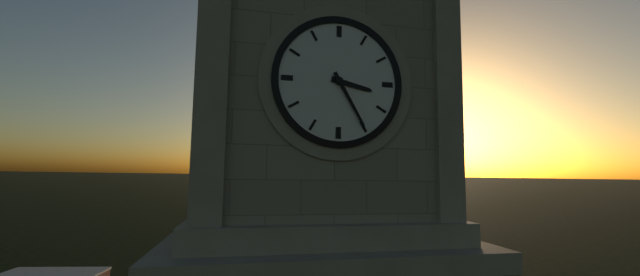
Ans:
3,25
